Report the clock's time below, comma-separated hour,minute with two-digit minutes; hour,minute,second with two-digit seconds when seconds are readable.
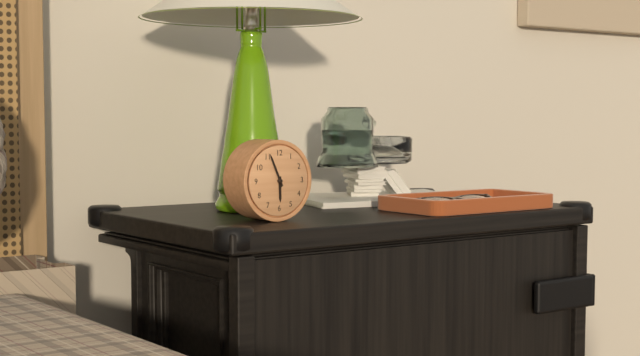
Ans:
5,56
